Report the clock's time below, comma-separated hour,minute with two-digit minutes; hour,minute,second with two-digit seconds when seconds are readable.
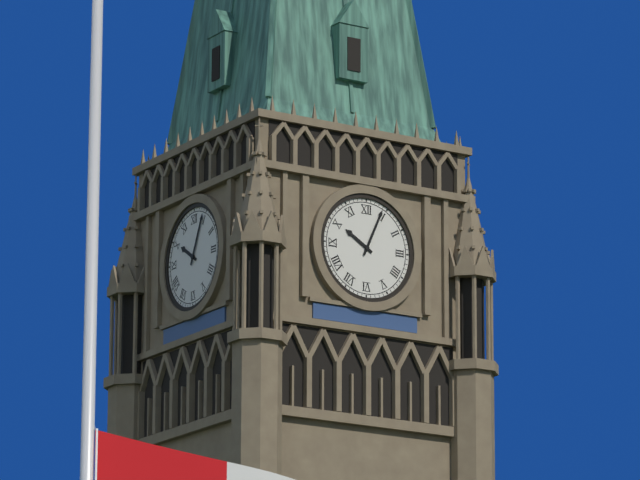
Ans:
10,04
